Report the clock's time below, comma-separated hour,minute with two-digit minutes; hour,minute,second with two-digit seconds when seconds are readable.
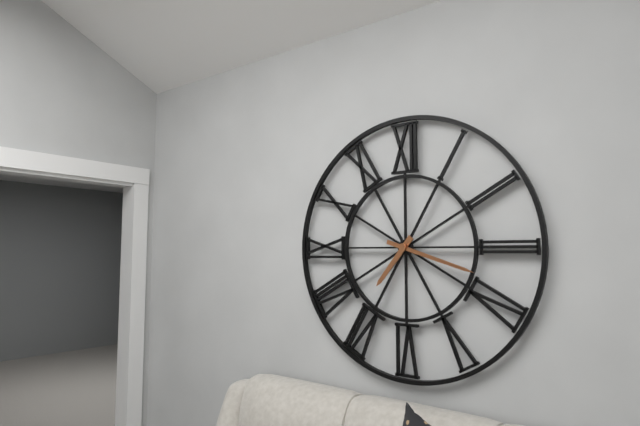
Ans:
7,18
